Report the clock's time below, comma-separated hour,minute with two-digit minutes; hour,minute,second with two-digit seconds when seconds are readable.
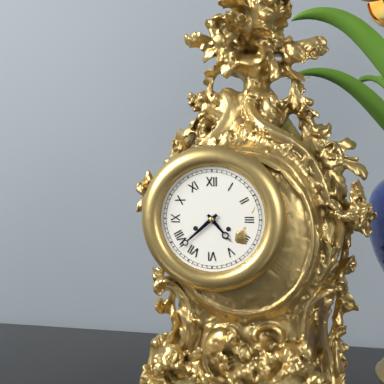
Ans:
4,38
